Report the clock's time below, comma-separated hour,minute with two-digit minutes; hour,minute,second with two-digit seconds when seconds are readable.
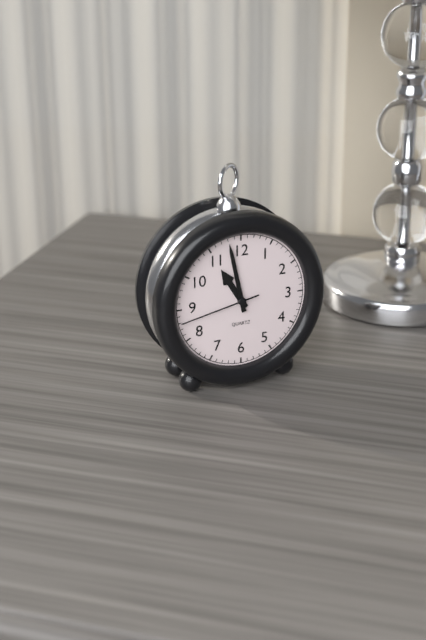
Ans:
10,58,43
